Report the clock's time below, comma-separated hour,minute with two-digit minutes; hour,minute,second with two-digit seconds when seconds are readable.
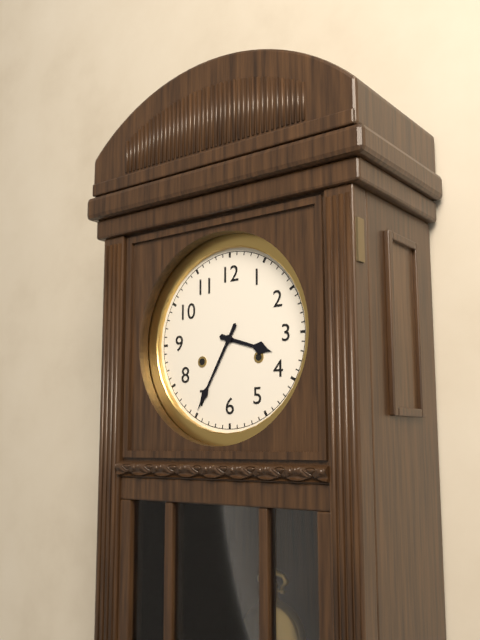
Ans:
3,35
